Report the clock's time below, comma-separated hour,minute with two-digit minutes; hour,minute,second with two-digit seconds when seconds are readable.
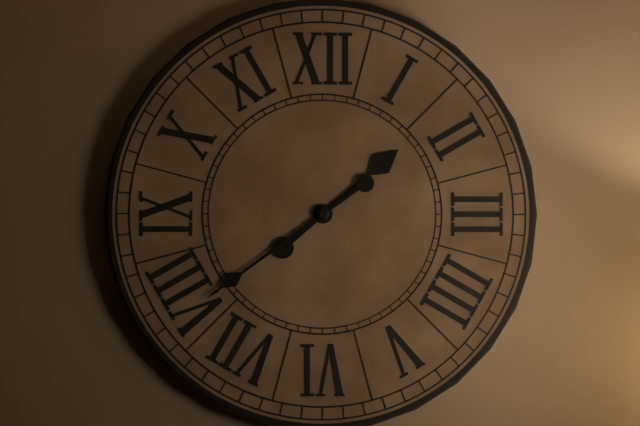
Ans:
1,39
